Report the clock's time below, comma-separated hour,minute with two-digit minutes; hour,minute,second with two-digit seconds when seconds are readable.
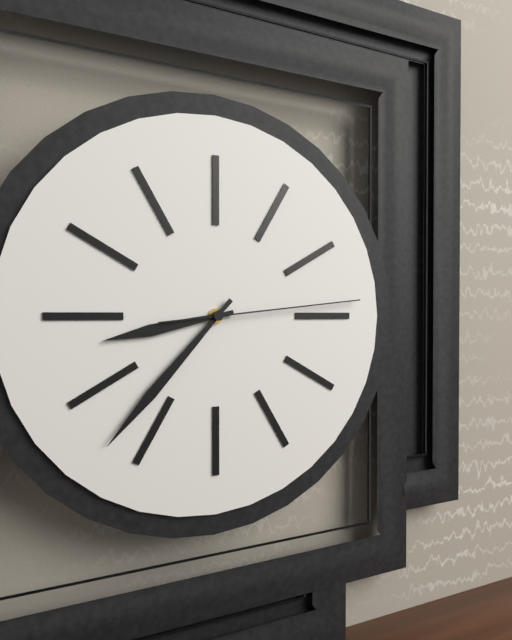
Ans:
8,37,14
